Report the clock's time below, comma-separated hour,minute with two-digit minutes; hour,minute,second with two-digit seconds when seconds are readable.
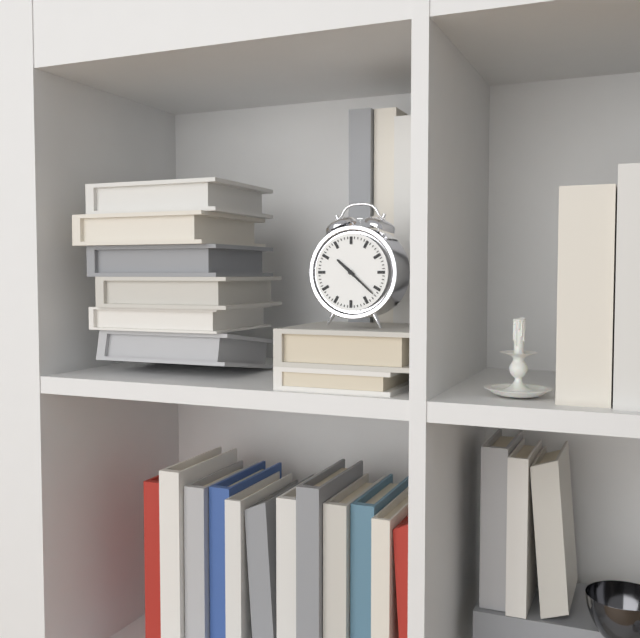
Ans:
10,22
